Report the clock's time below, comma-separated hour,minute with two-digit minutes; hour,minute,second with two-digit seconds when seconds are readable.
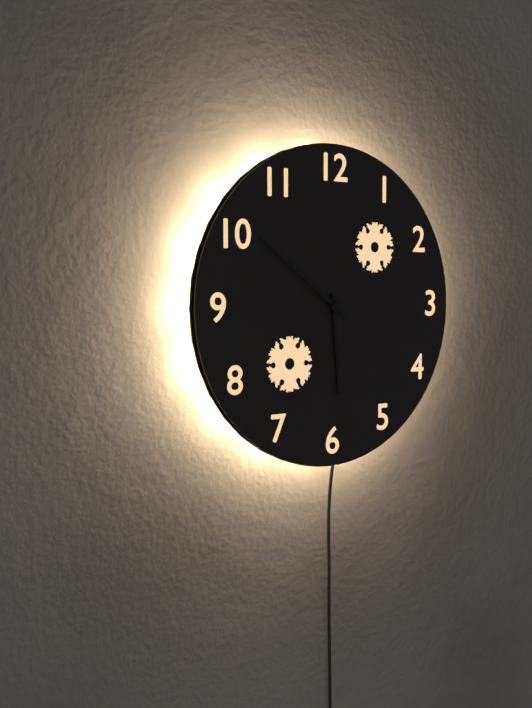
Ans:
5,51
